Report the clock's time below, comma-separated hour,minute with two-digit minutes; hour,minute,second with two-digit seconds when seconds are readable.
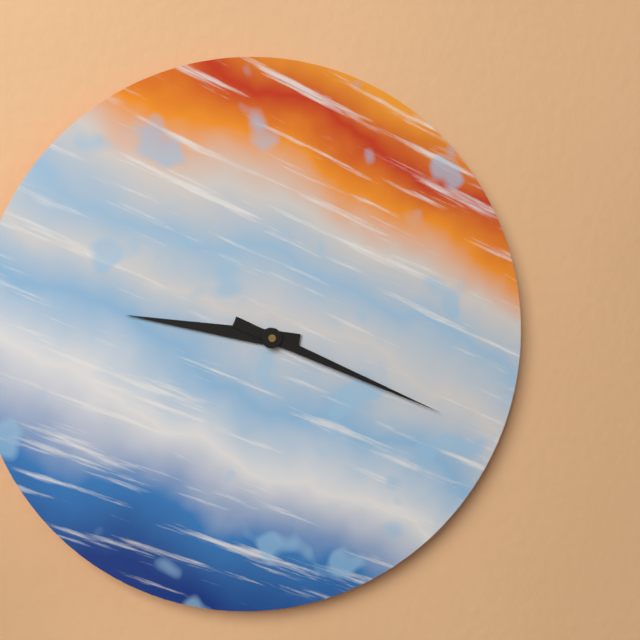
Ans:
9,19
